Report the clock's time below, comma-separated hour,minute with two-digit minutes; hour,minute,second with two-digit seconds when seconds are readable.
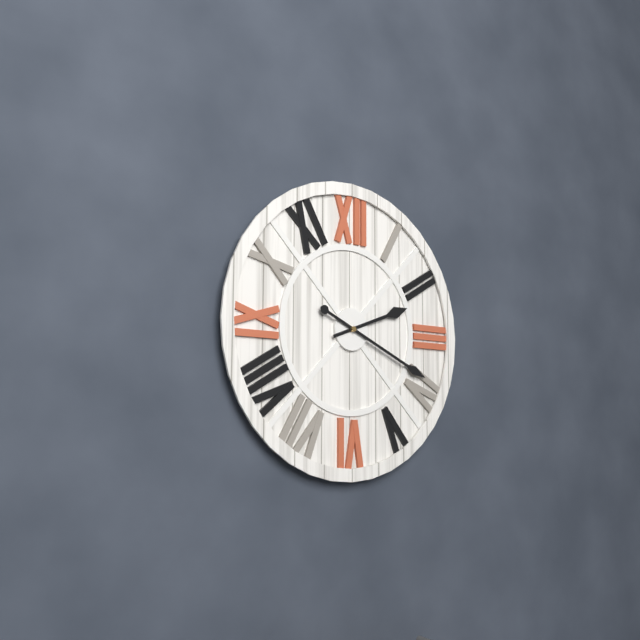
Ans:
2,19
